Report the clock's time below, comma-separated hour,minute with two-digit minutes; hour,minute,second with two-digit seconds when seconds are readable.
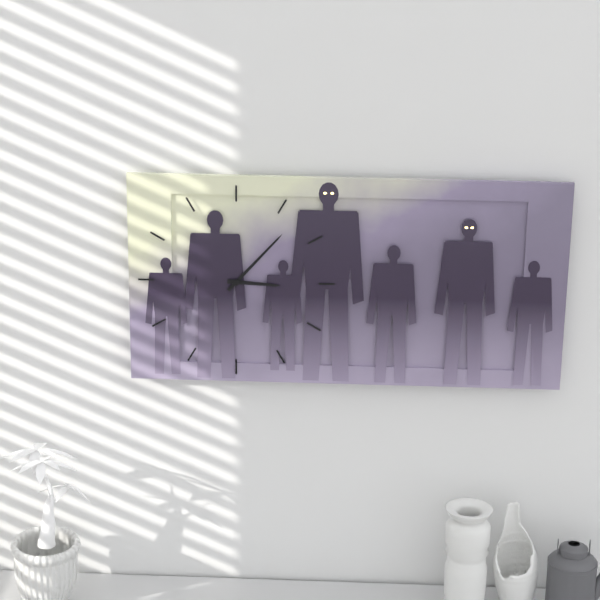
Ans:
3,07
